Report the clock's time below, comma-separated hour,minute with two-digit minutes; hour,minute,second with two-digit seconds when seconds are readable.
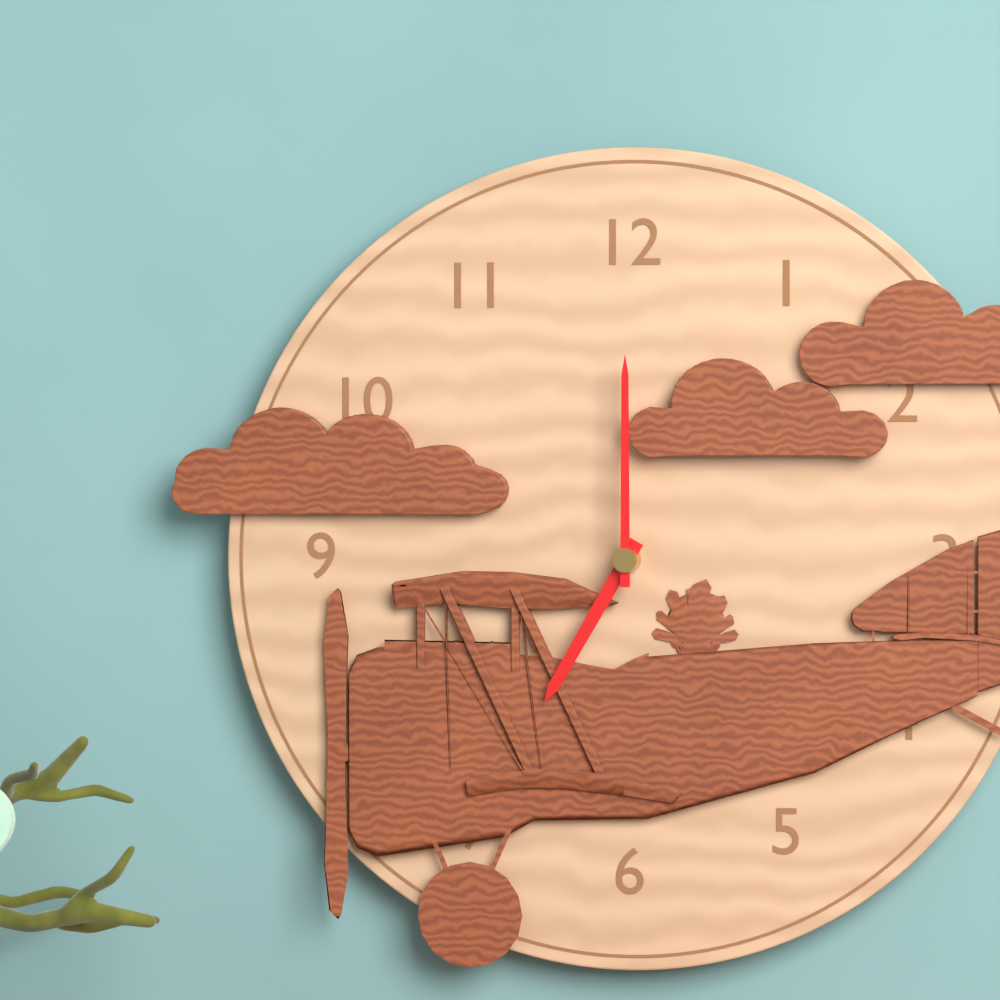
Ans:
7,00
